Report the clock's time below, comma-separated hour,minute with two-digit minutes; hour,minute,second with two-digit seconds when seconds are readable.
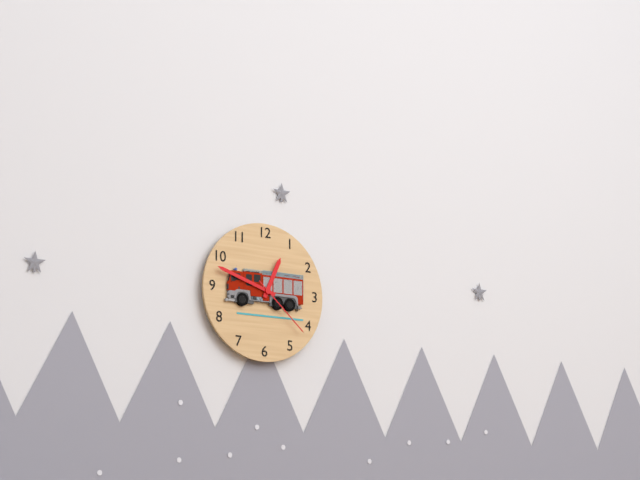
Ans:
12,48,22
